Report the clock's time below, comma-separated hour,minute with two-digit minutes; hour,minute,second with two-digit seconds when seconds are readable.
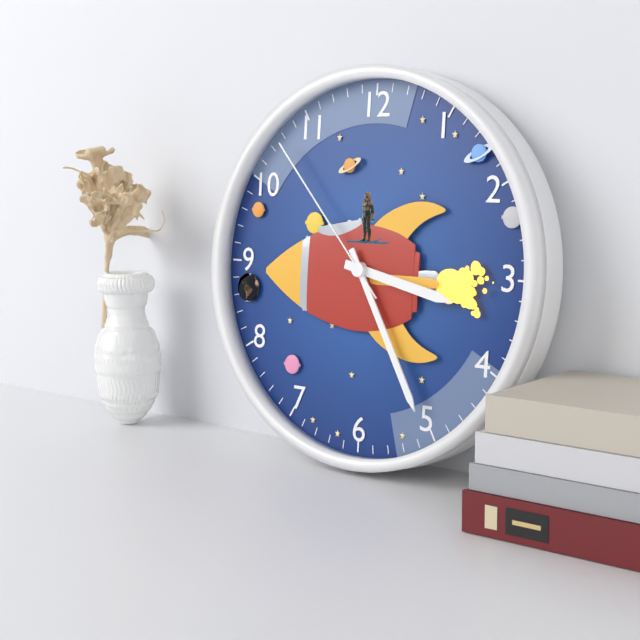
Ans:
3,25,53
